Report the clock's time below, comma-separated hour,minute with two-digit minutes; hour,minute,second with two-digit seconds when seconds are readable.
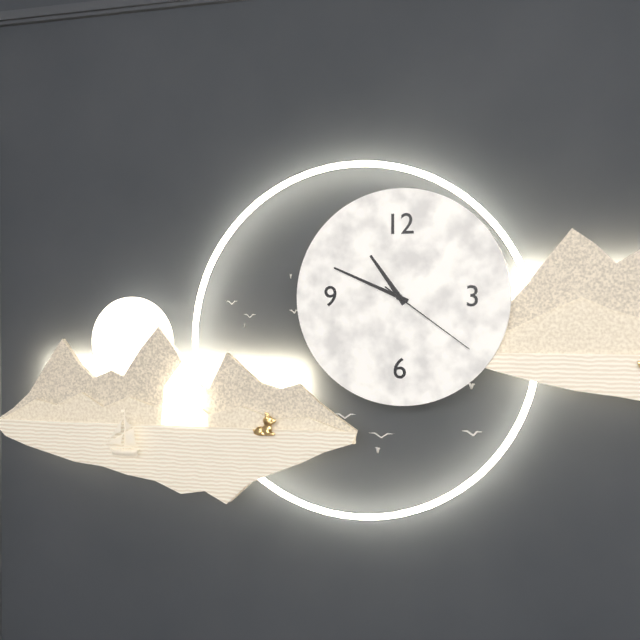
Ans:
10,49,21
